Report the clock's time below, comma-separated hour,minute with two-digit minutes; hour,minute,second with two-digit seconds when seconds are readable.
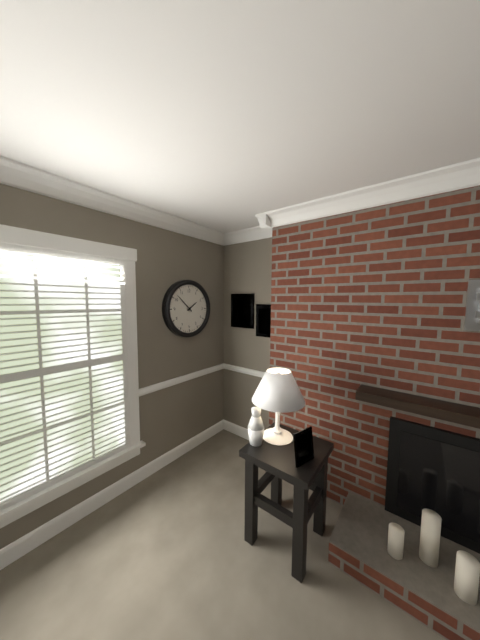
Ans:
1,52
